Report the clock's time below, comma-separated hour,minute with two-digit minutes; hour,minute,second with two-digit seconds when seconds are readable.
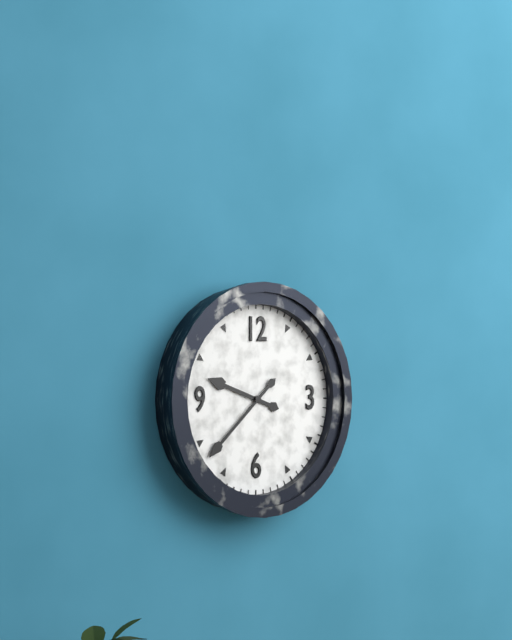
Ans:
9,38
